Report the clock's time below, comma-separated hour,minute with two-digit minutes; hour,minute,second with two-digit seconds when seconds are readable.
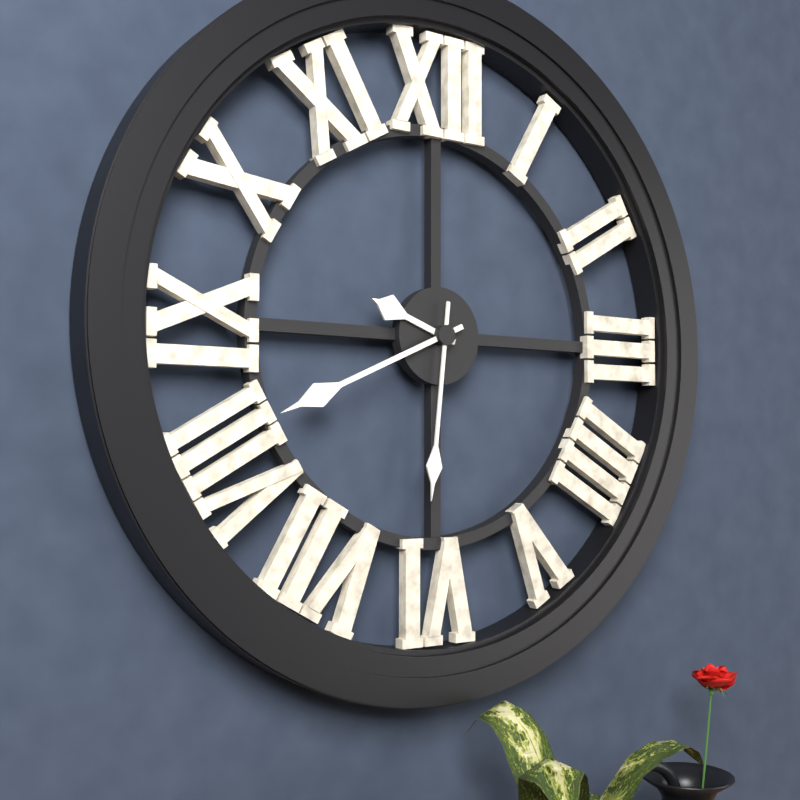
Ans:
9,41,31
